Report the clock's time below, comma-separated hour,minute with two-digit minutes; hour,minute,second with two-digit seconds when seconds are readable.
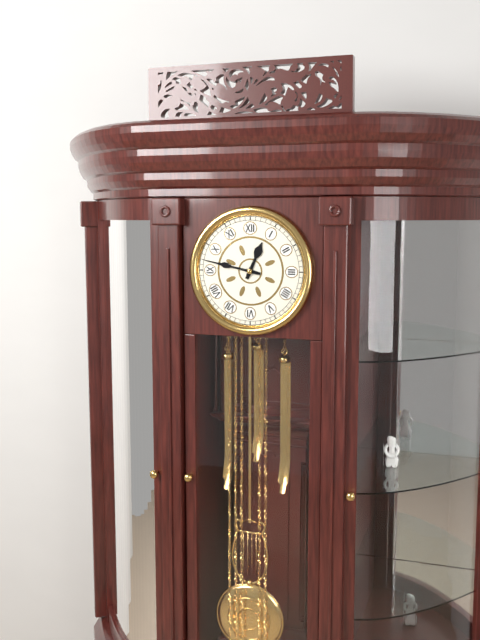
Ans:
12,47
